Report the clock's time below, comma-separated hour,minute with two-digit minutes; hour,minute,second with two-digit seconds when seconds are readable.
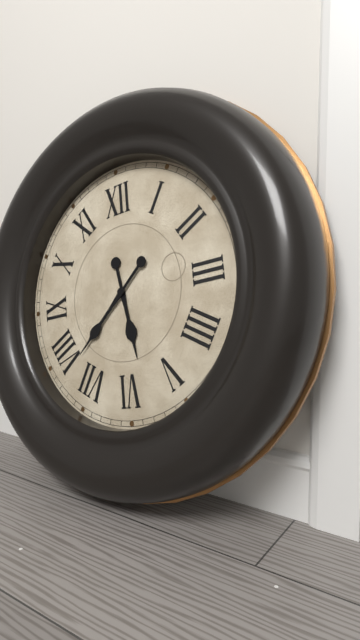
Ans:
5,38
